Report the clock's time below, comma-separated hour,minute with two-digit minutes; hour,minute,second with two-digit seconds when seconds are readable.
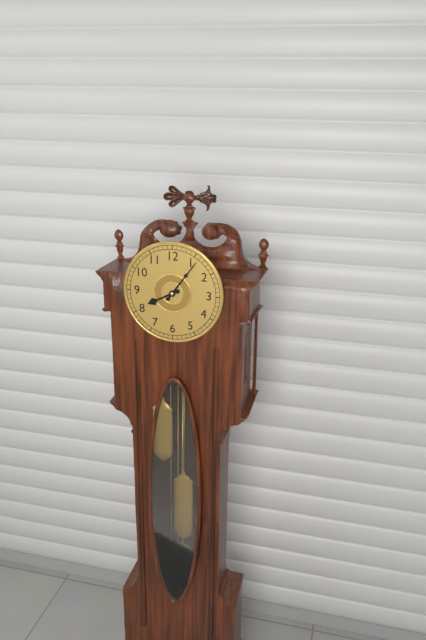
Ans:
8,06
